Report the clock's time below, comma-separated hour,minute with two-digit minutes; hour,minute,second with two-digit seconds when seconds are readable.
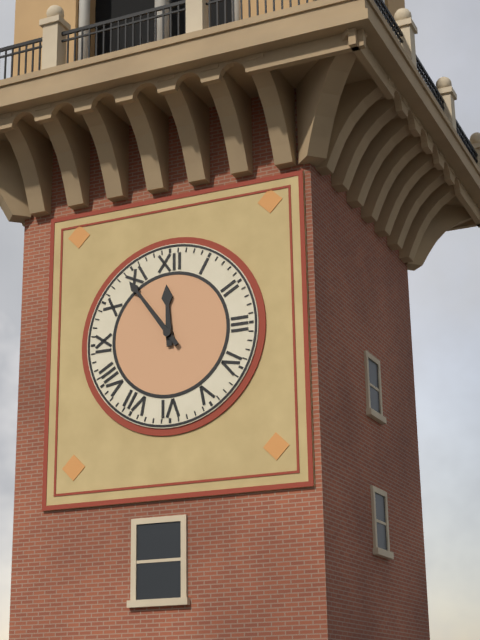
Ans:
11,54
